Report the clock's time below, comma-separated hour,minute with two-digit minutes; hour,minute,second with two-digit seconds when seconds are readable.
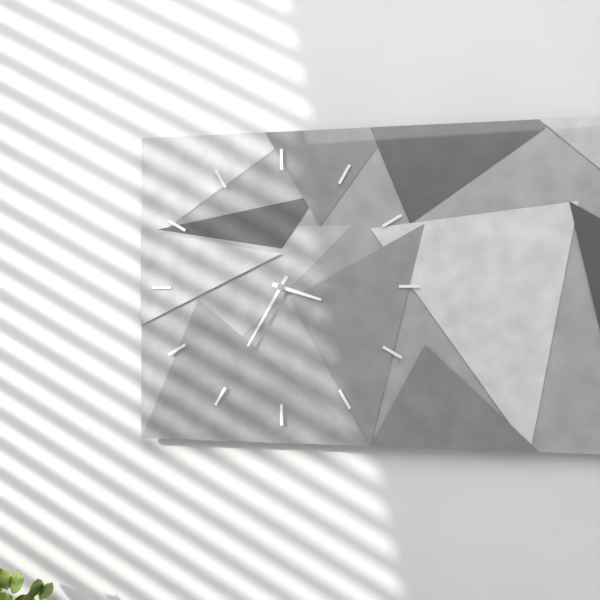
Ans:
3,35
